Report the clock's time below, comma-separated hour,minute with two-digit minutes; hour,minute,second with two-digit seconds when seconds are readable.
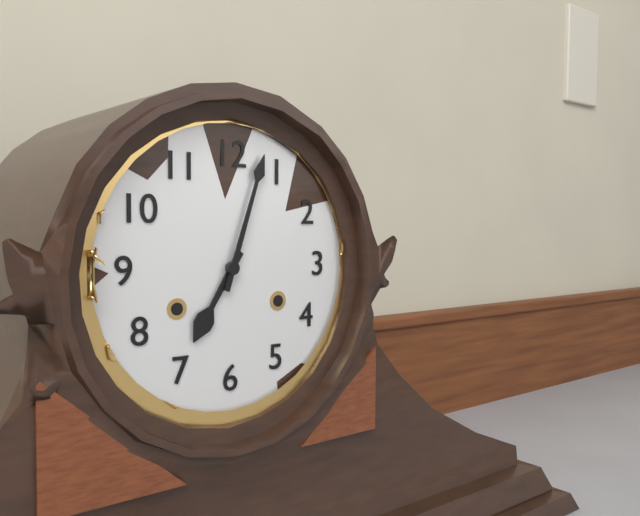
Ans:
7,03
